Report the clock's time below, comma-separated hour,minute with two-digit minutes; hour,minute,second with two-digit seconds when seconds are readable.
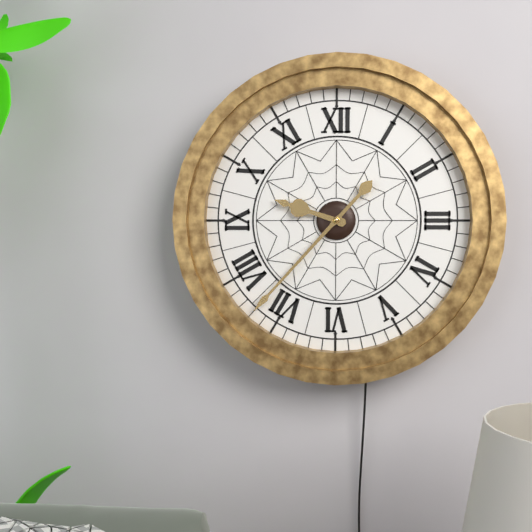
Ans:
9,37
